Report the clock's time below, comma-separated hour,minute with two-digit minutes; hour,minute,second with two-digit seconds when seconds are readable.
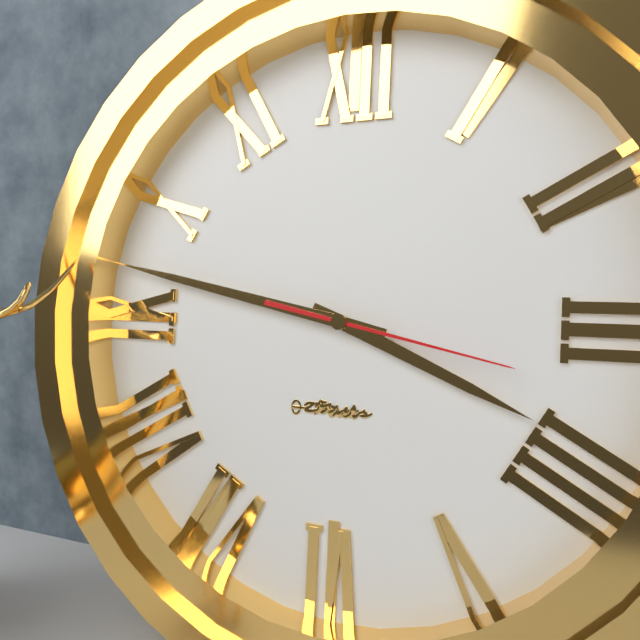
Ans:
3,47,17
